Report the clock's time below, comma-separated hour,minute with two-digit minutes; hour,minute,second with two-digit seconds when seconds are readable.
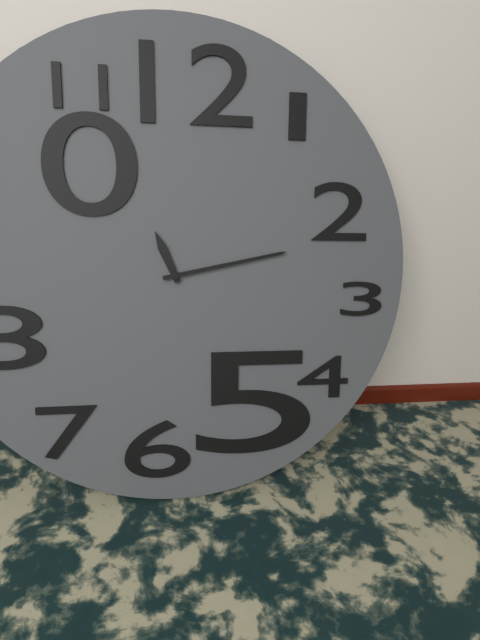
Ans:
11,13
